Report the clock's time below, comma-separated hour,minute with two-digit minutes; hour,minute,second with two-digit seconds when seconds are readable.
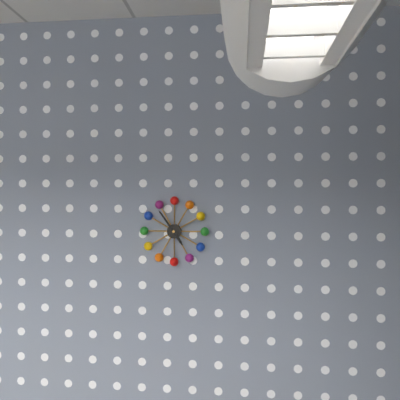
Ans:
4,54
